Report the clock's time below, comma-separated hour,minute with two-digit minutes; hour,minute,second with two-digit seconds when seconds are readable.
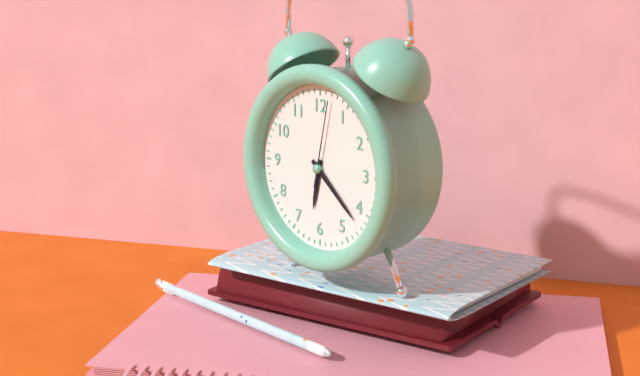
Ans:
6,22,02
